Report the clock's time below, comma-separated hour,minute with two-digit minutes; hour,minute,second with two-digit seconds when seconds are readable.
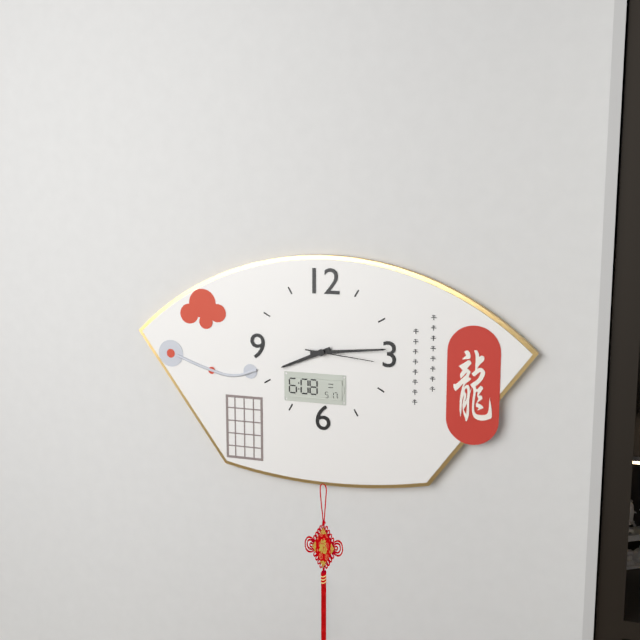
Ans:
8,14,16
